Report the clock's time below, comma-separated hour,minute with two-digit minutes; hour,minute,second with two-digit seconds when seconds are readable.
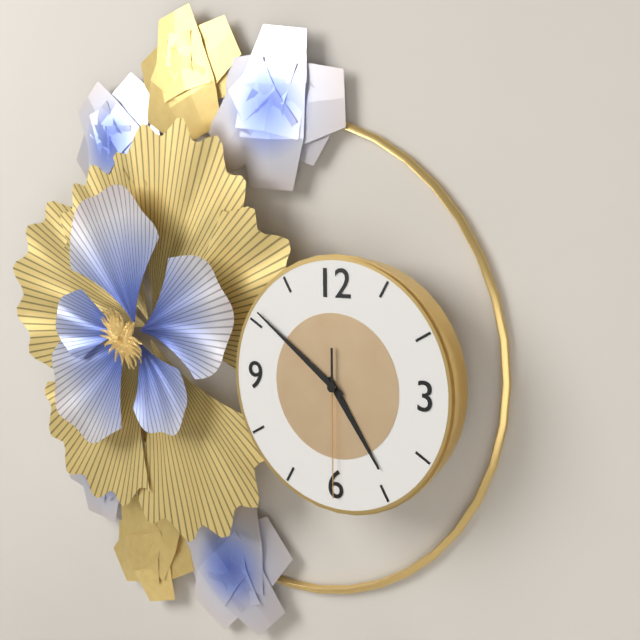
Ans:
4,51,30
